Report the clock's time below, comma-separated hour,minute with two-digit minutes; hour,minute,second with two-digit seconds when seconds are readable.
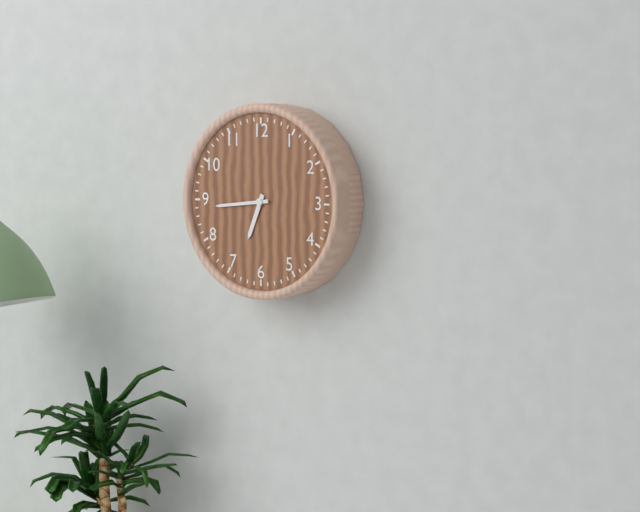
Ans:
6,44
